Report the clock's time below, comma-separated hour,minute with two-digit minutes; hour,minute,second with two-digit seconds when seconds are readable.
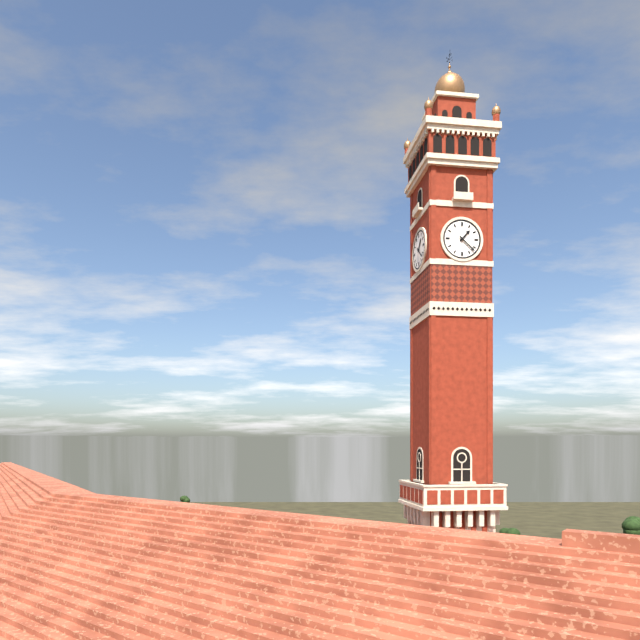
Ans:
1,22
